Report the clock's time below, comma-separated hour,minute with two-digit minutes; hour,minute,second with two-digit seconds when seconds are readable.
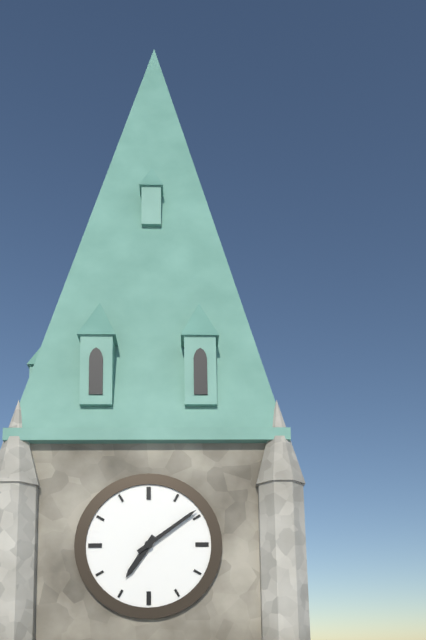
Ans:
7,09
